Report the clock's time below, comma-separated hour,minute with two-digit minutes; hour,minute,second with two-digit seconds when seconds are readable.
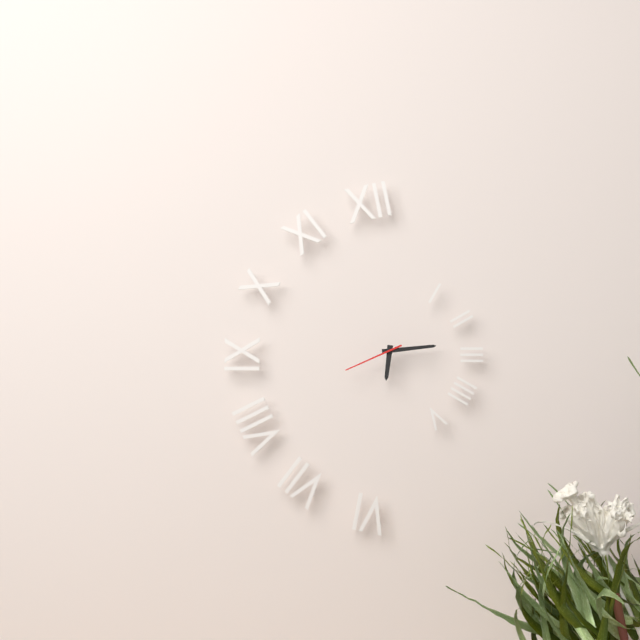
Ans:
6,14,41
